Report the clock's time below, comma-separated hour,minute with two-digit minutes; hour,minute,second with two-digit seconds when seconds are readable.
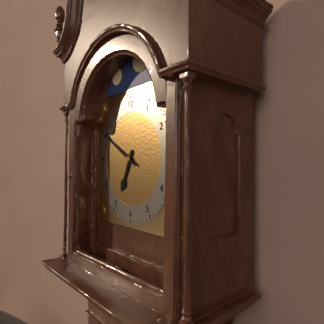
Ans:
6,50
